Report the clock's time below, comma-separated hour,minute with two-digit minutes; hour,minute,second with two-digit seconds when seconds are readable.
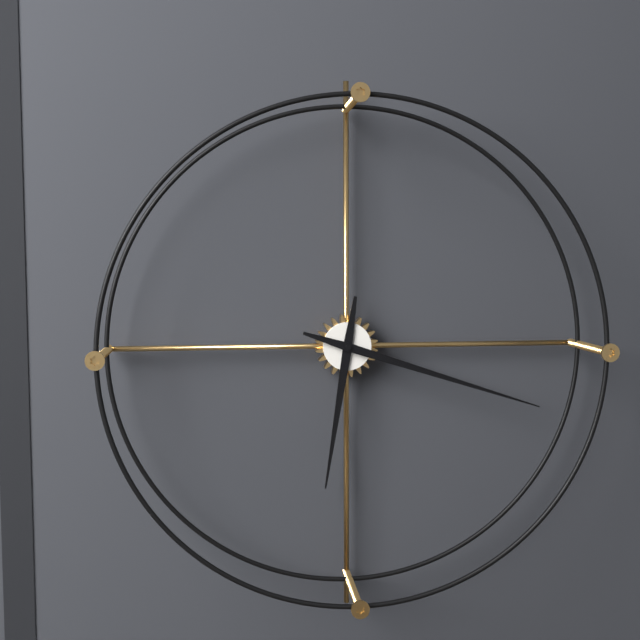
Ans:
6,18
